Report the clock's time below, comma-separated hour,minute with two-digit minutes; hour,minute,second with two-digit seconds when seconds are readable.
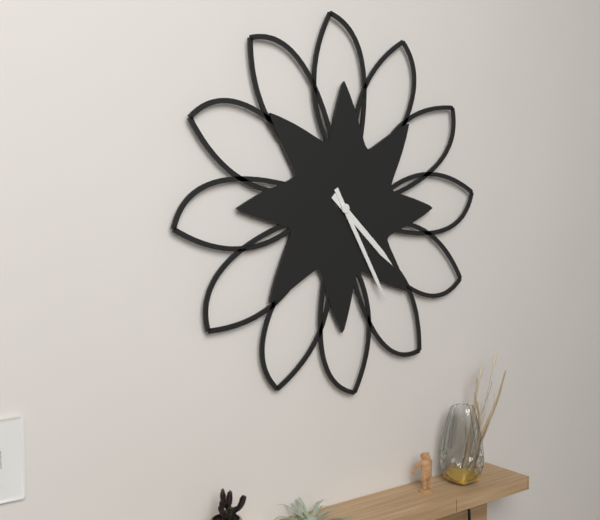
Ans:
4,25
